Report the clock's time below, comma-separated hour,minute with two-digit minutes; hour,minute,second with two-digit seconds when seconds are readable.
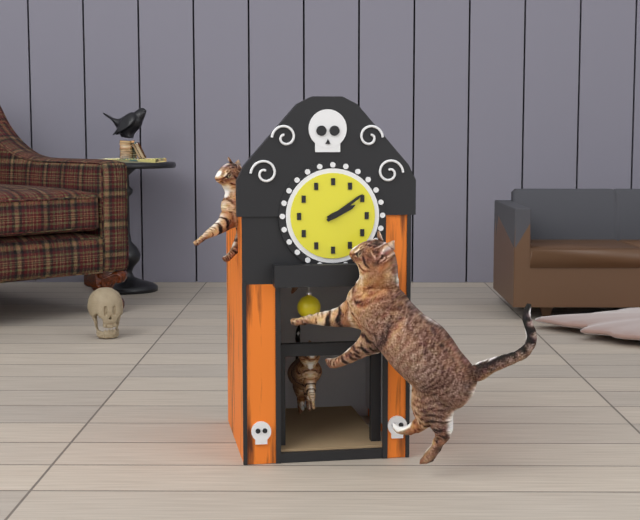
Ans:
2,09
